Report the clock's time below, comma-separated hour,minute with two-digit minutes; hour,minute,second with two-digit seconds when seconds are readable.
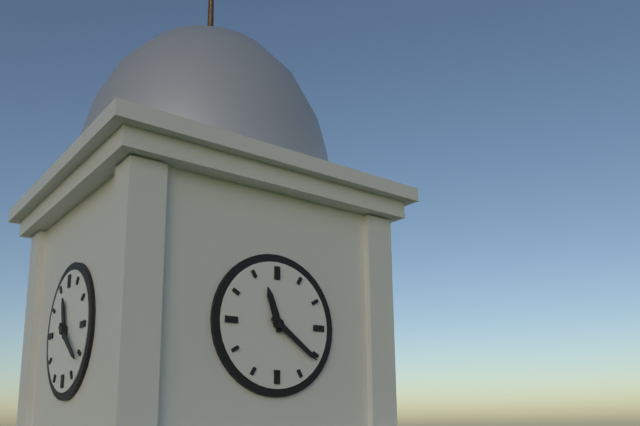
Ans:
11,21
